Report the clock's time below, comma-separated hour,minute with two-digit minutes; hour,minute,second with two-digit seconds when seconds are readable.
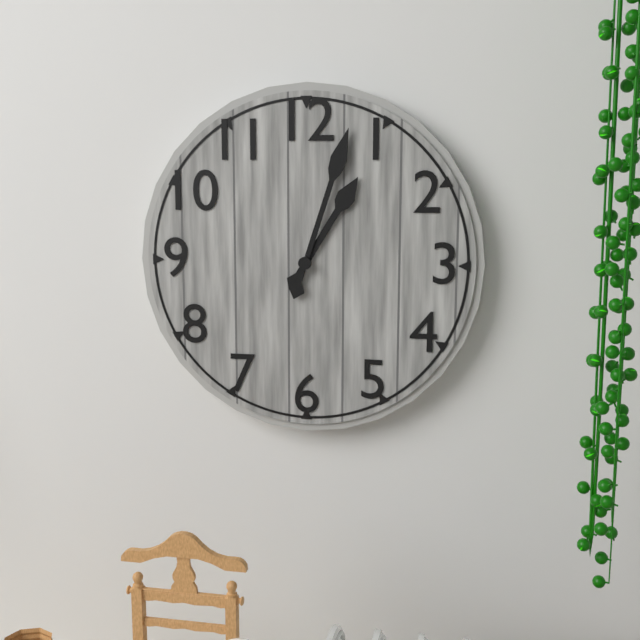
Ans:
1,03
